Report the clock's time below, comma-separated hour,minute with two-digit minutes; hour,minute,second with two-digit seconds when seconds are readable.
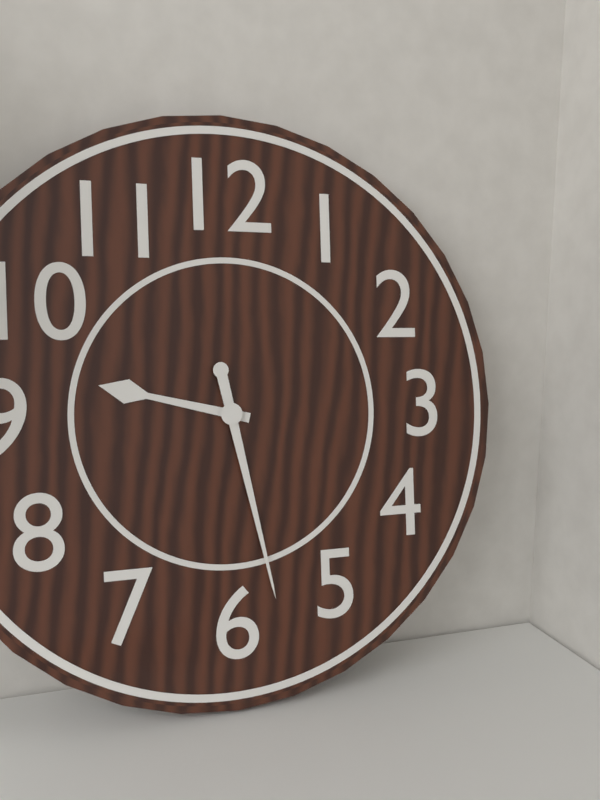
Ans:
9,28
